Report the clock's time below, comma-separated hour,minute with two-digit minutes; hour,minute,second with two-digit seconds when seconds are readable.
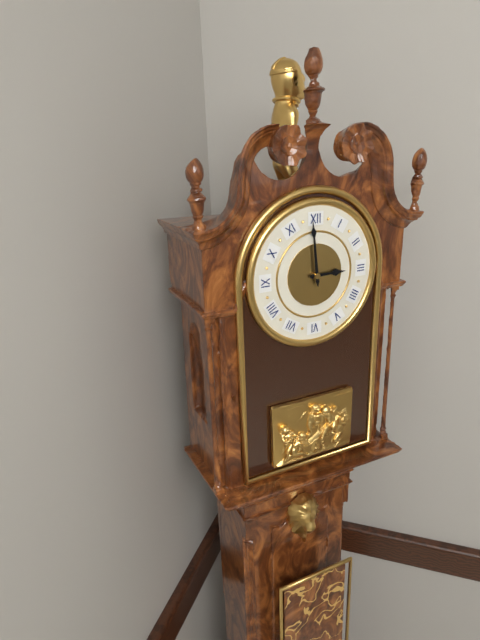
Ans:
2,59
